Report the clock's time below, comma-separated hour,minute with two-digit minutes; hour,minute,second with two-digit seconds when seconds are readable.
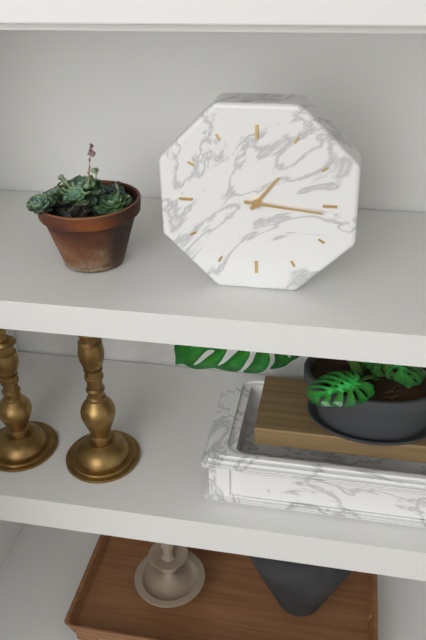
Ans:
1,16
